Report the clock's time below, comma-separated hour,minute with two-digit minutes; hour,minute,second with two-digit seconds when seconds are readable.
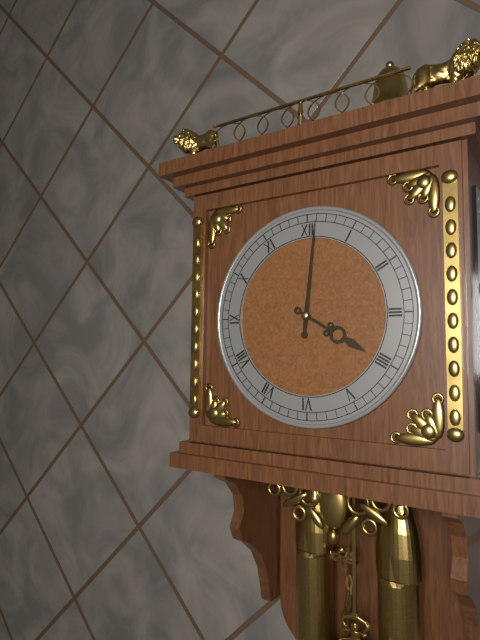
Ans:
4,01
